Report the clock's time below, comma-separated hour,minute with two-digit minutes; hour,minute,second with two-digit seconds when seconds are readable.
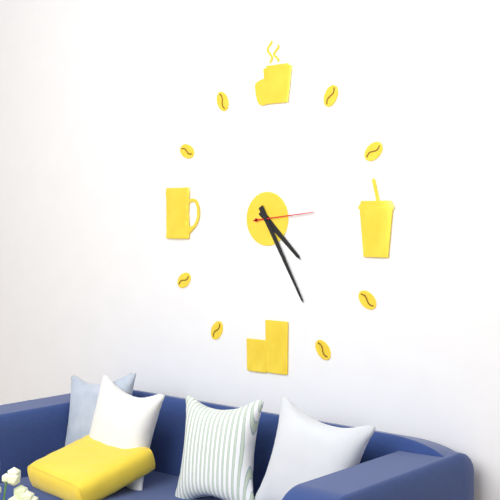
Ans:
4,25,14
